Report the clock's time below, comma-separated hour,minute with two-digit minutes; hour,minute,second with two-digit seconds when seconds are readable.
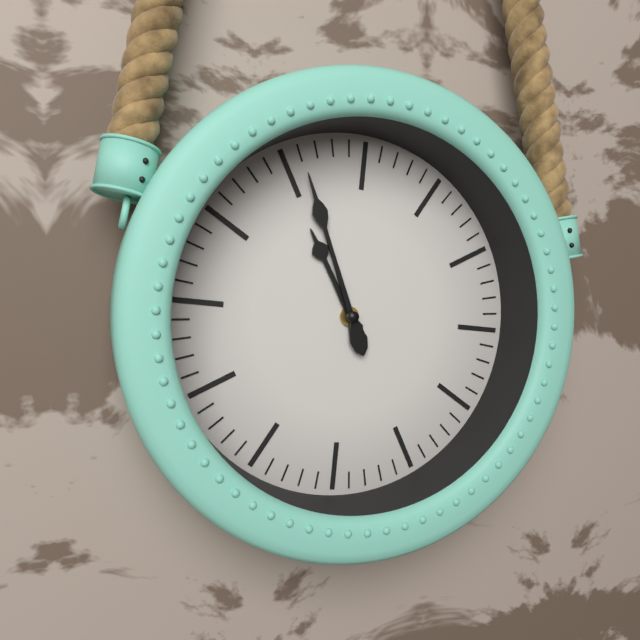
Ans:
10,56
